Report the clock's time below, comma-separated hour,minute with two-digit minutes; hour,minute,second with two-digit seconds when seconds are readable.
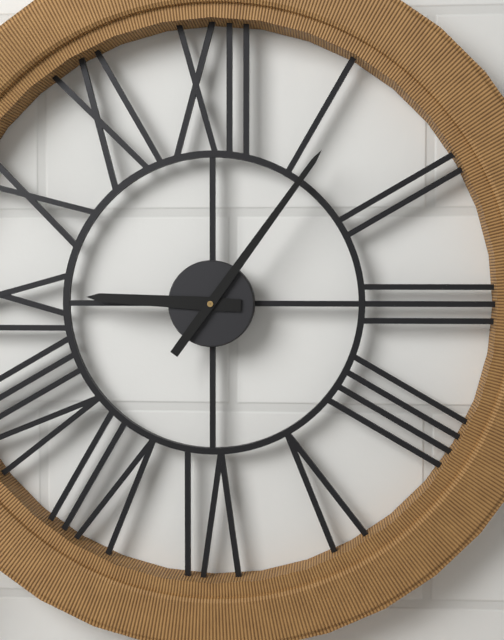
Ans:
9,06
